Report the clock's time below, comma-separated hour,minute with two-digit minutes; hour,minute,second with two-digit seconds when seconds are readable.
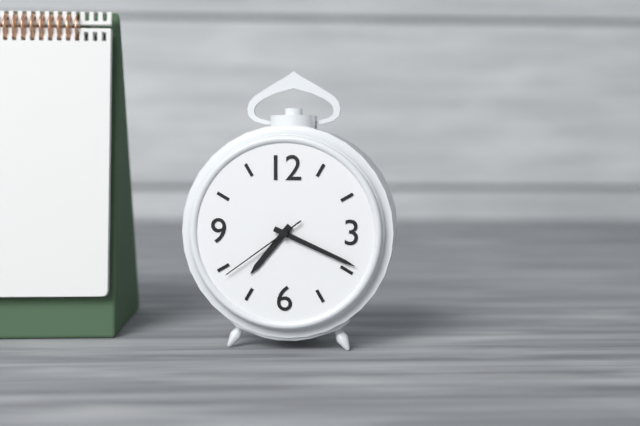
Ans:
7,19,39
